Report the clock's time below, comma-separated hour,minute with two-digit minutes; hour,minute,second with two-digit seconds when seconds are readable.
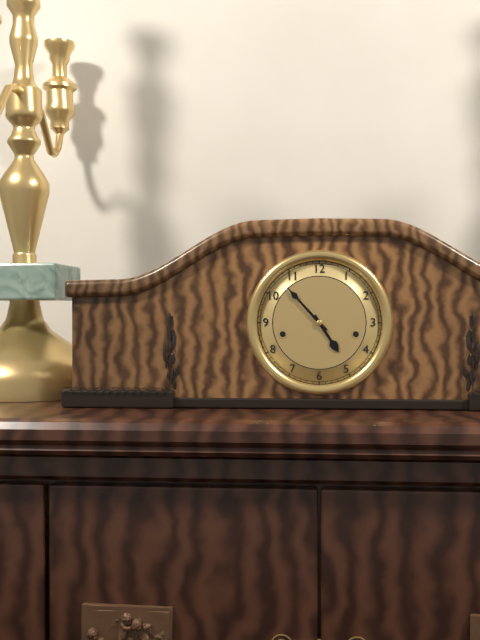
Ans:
4,53
